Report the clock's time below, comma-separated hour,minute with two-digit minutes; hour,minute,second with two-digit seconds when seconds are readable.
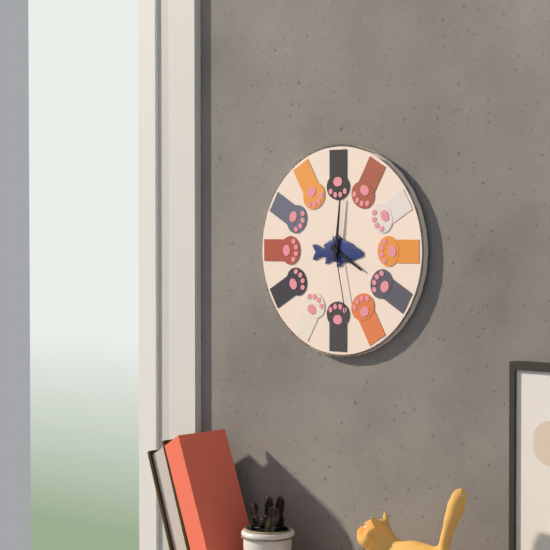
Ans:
4,01,28
